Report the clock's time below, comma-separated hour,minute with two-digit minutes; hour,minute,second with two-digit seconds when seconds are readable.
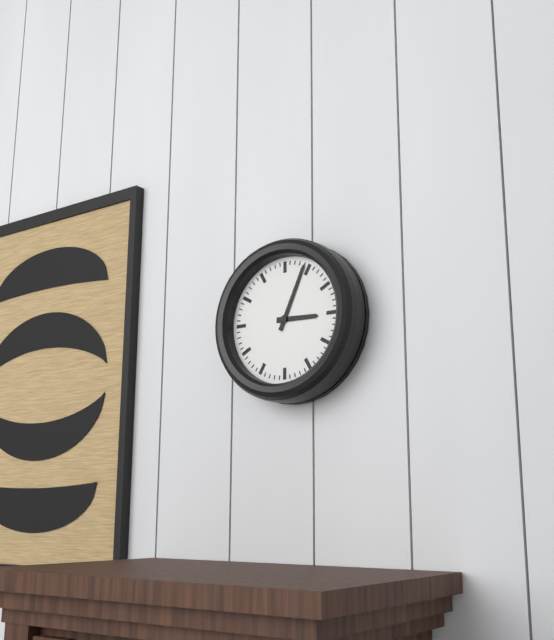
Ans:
3,04
